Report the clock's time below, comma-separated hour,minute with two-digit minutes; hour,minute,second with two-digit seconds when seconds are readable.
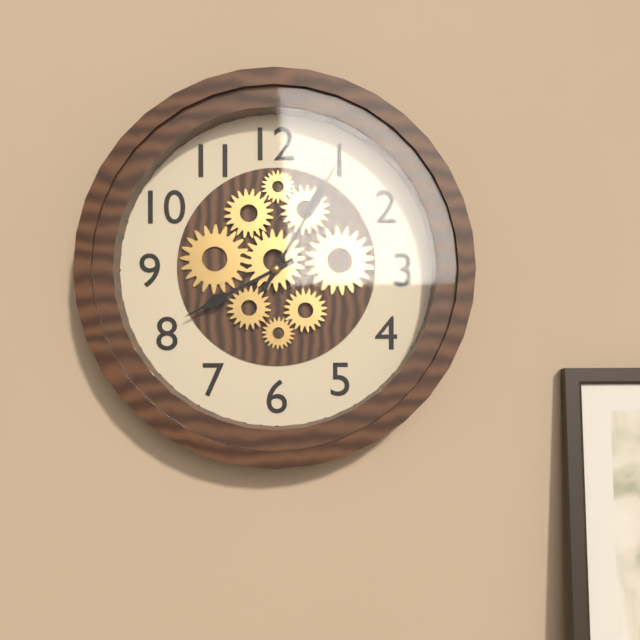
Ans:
8,05
